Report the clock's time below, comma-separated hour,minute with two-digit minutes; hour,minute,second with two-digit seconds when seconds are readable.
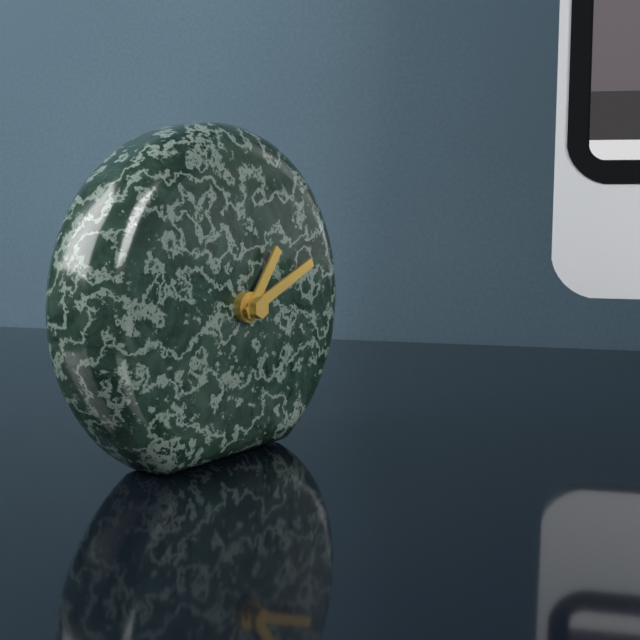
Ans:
1,11
